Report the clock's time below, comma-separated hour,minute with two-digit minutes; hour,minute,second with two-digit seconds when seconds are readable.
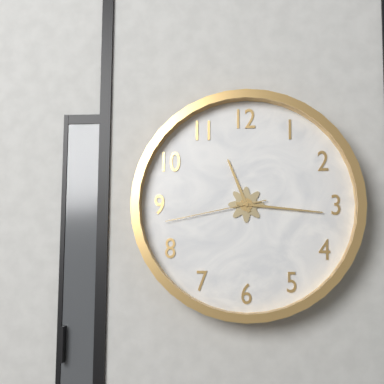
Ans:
11,16,43
